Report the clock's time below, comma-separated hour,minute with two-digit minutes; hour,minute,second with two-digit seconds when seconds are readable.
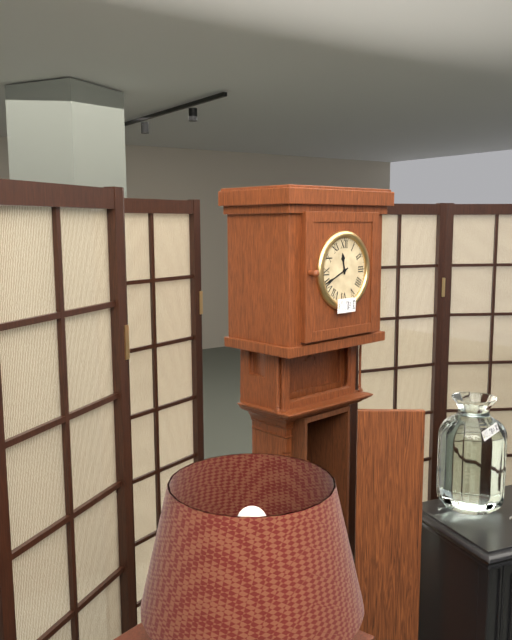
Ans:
11,41
